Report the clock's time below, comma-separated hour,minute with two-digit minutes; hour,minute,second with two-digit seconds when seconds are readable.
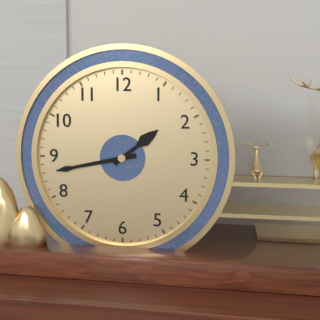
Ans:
1,43
